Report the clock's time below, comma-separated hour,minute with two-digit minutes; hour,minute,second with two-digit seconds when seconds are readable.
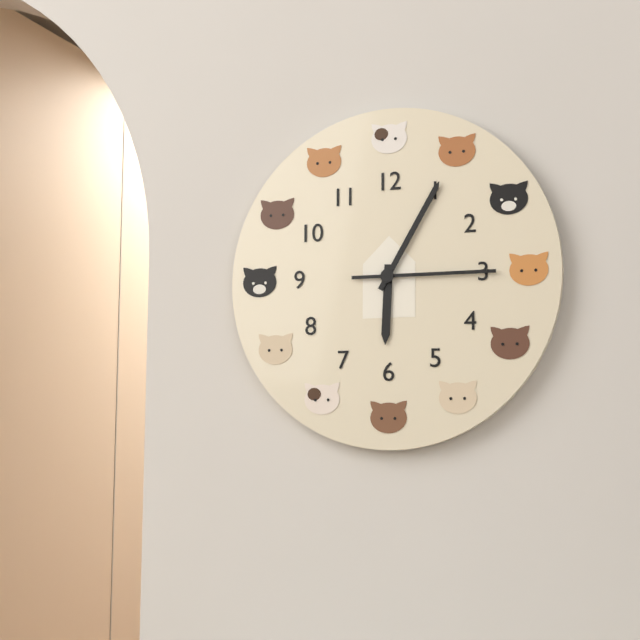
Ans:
6,05,15
